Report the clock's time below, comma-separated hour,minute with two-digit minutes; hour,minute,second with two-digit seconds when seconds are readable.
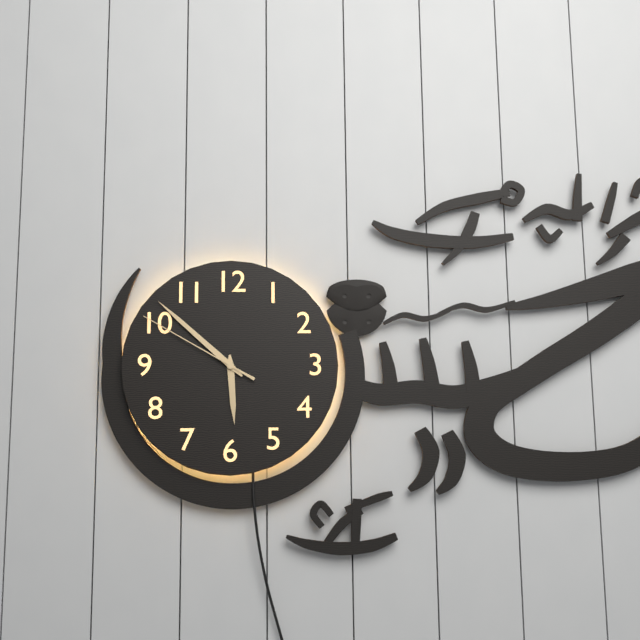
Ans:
5,52,50
